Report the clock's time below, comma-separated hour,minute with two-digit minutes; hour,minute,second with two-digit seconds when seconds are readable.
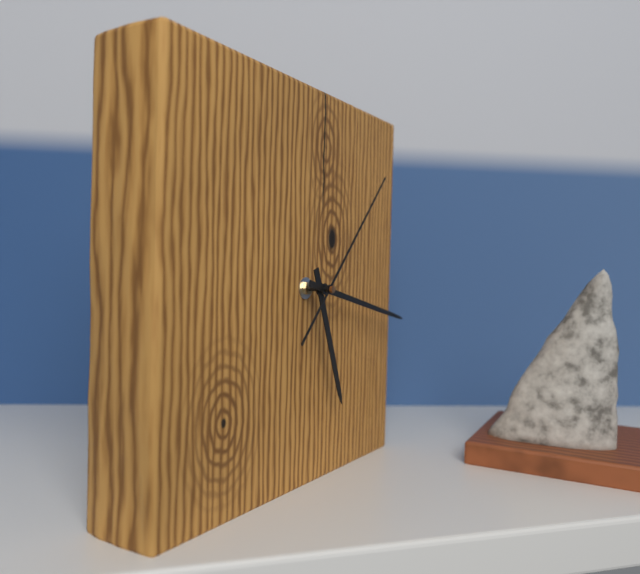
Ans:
5,17,07
